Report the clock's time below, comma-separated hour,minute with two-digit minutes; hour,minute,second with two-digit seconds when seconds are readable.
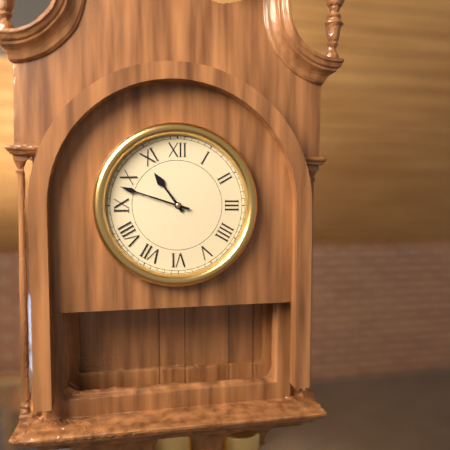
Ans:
10,48
